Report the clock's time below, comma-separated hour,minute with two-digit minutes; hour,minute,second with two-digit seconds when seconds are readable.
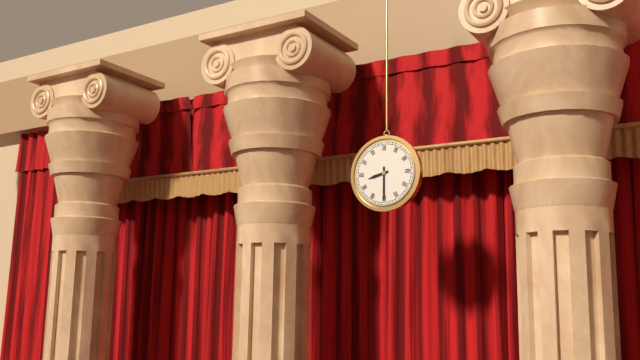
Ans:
8,30
